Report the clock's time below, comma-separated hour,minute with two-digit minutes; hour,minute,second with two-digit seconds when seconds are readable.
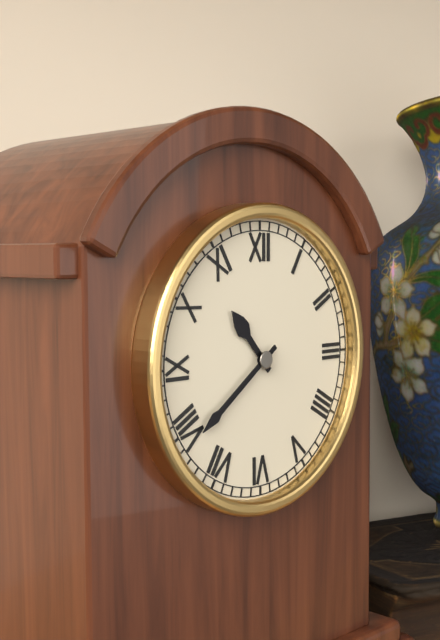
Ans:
10,39
